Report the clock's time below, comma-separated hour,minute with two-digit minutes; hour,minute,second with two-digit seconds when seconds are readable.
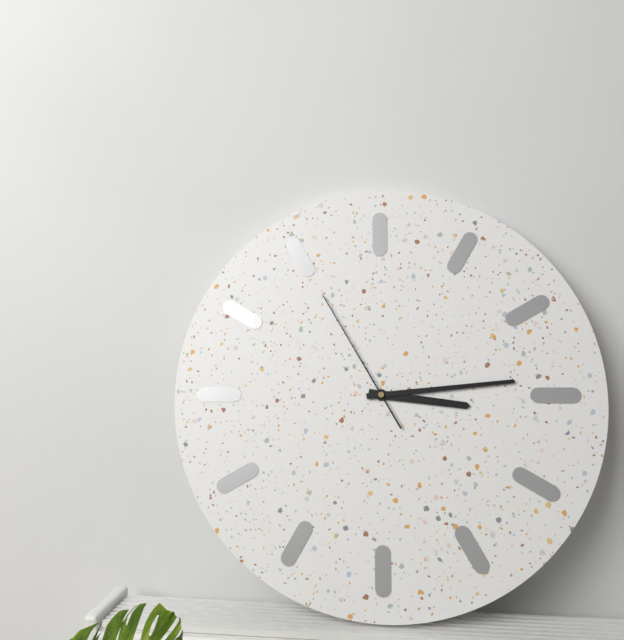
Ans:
3,14,55
